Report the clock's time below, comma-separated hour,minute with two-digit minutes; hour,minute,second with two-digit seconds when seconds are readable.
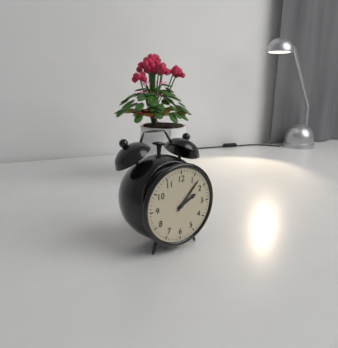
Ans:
2,07
